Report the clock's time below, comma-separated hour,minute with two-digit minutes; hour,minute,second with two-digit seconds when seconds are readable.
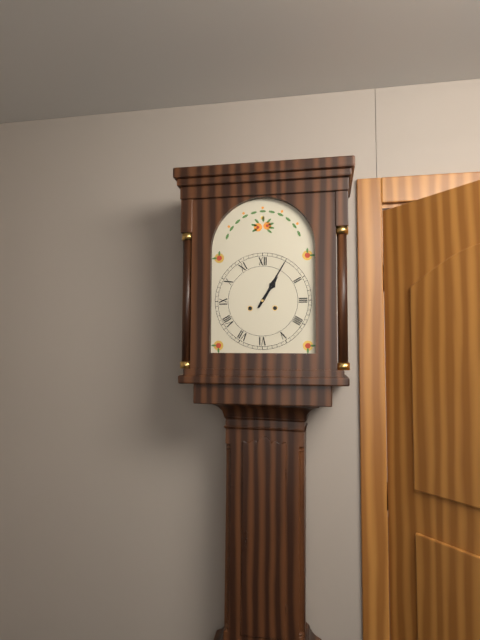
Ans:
1,05
